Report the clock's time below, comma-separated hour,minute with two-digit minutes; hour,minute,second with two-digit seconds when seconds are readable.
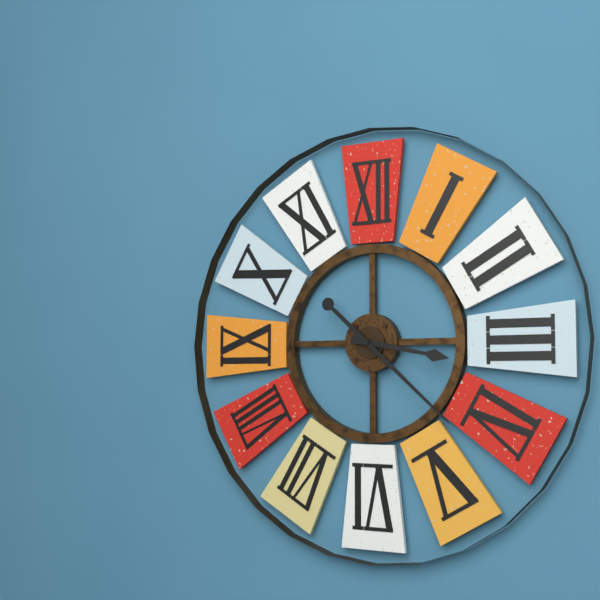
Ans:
3,22
